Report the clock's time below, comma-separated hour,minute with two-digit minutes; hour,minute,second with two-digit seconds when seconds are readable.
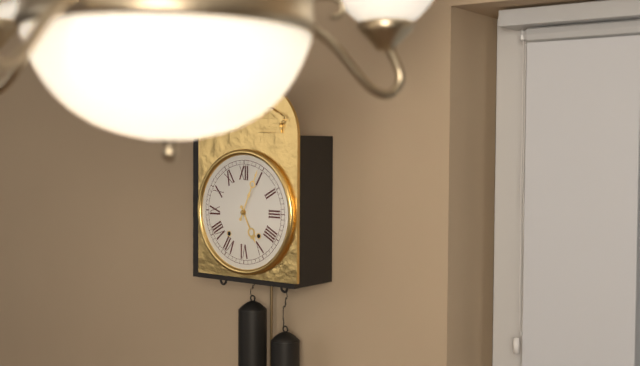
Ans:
5,04
